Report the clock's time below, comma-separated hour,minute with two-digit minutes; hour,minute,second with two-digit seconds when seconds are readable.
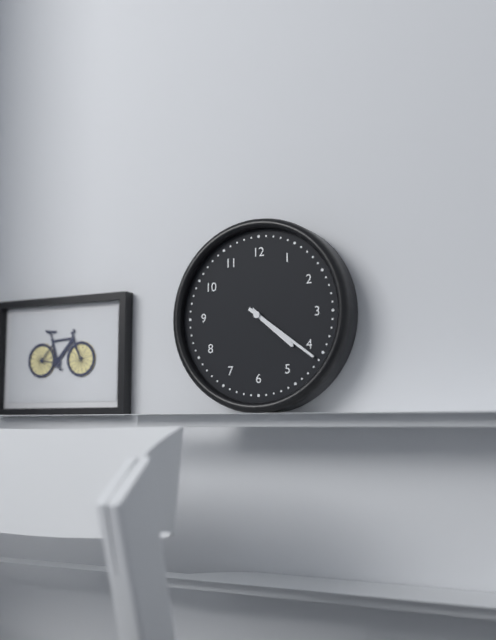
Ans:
4,21
